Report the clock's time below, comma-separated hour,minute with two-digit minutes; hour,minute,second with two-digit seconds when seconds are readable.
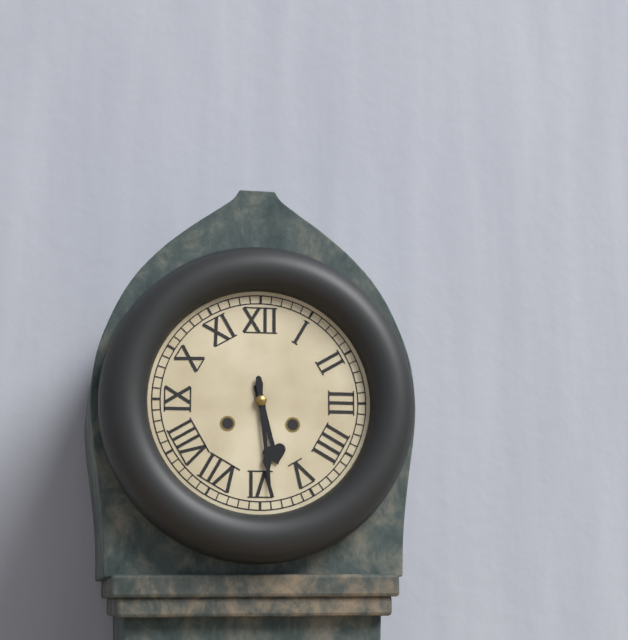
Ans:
5,29
